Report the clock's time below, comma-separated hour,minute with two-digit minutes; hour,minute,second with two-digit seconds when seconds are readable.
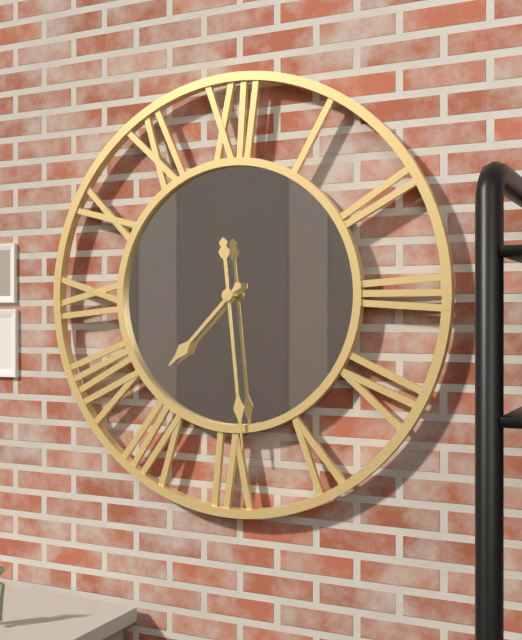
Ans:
7,29
